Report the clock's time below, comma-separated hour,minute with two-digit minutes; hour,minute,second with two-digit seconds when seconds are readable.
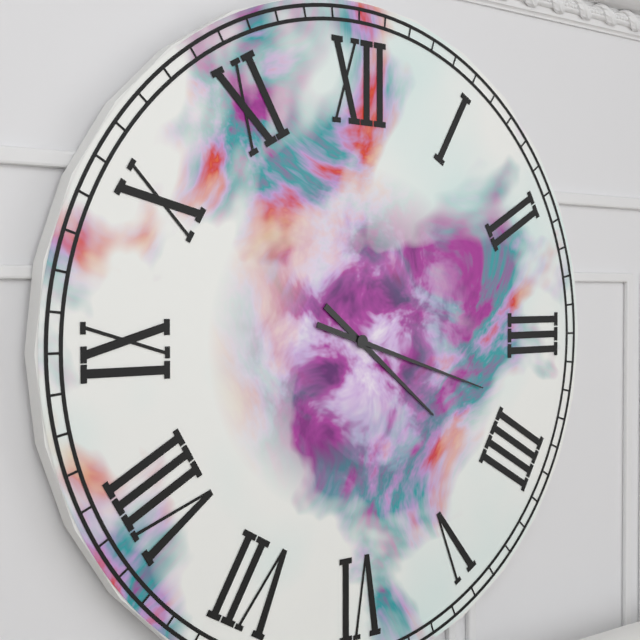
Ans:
4,18
